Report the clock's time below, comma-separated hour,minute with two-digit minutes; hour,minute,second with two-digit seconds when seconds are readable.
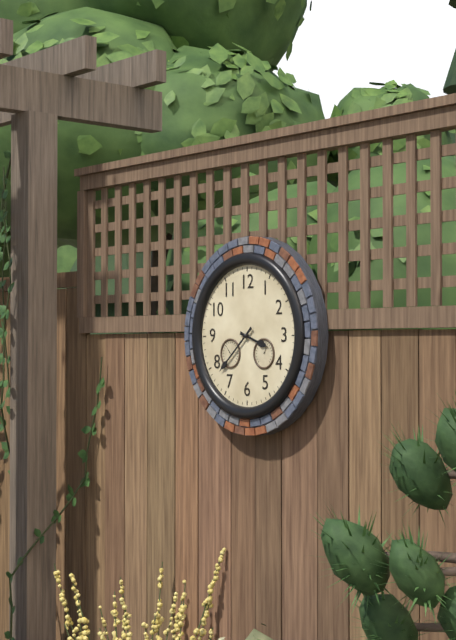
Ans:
3,38
